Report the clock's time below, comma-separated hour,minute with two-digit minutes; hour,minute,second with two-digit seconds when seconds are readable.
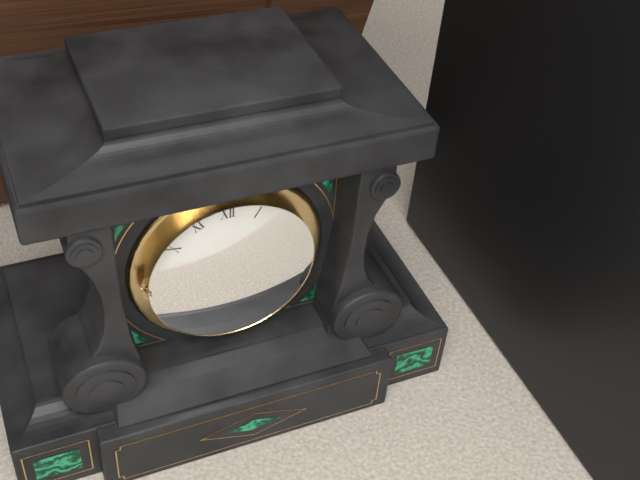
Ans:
3,11
